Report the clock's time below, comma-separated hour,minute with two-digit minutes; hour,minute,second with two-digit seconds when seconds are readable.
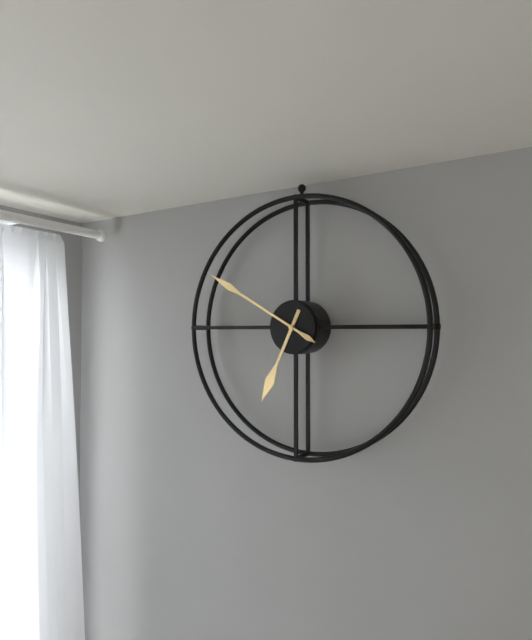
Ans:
6,50
